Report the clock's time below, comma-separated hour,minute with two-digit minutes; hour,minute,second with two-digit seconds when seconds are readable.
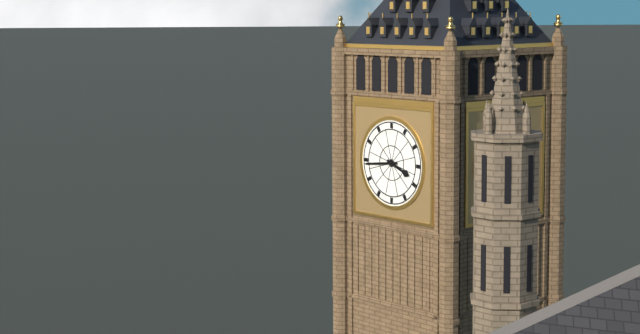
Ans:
3,44
